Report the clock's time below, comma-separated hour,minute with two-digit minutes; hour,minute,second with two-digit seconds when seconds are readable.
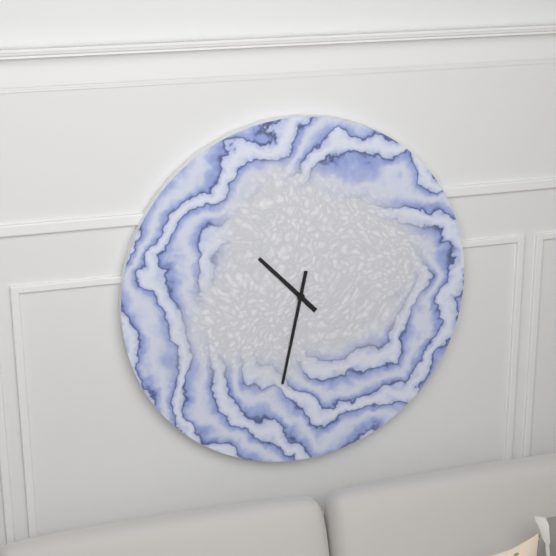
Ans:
10,32
